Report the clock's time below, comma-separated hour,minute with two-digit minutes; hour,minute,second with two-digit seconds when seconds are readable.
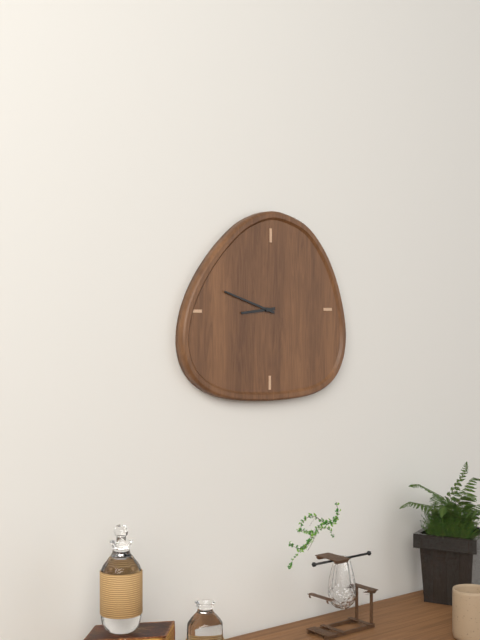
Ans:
8,48
